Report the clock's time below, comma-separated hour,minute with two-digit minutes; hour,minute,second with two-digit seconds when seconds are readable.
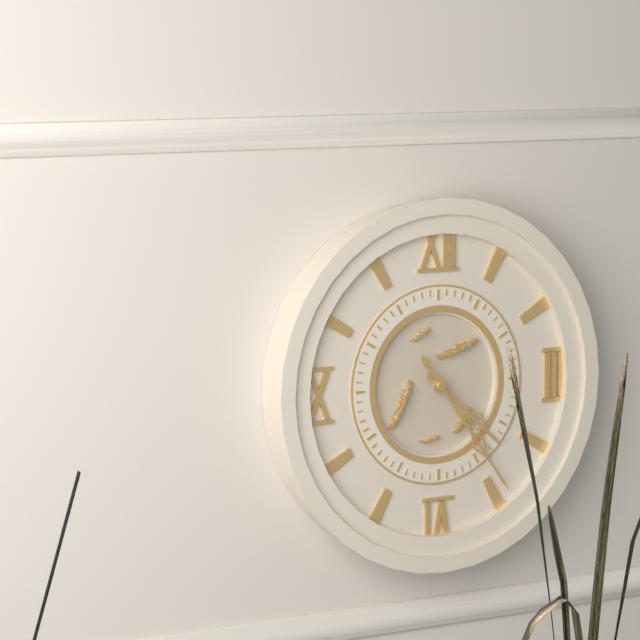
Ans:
4,24
